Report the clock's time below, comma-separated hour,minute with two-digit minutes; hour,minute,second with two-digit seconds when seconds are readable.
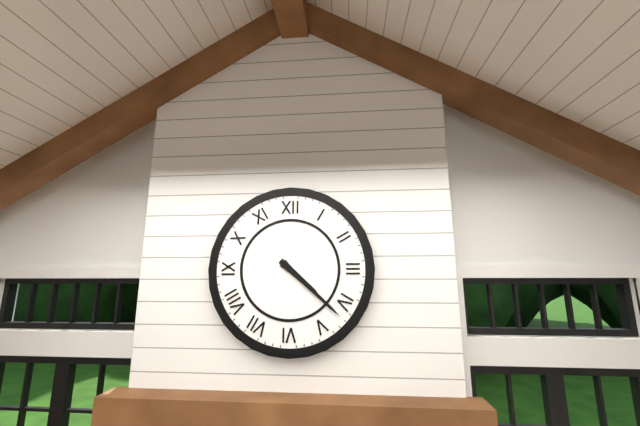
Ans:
4,22
